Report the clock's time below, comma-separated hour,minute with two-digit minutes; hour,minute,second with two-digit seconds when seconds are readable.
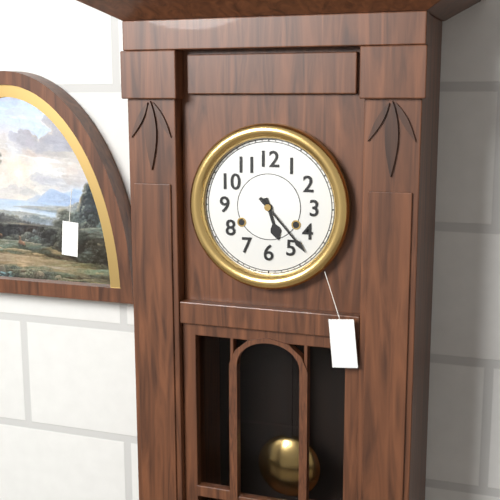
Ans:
5,23
